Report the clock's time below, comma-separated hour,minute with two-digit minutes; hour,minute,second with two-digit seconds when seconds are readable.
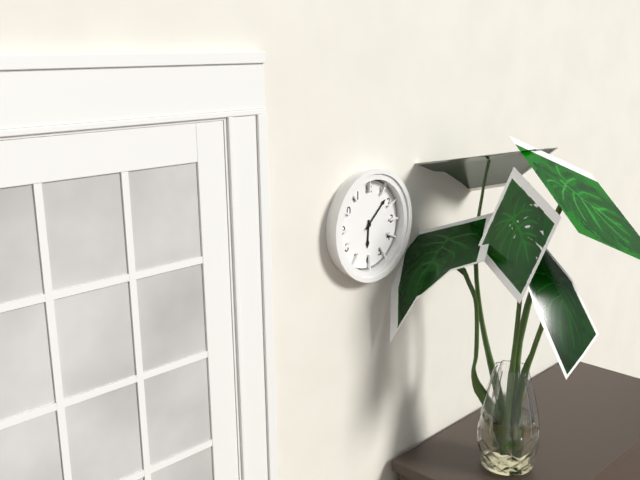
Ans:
6,08
